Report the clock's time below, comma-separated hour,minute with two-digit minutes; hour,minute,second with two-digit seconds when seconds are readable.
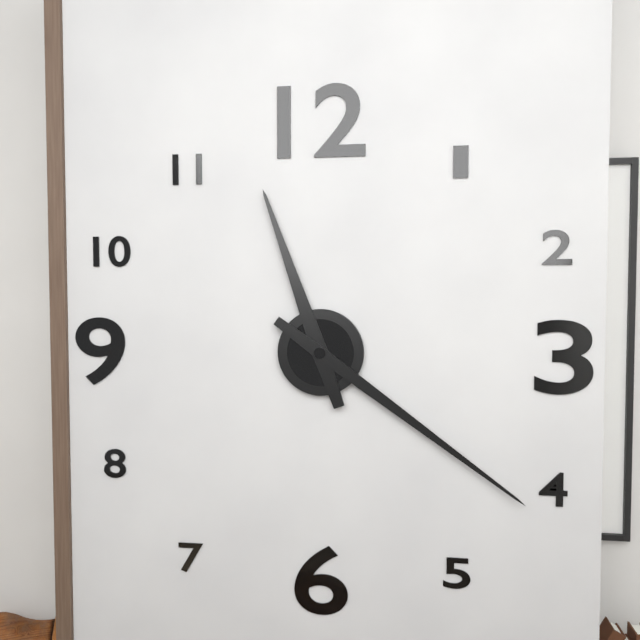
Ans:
11,21
